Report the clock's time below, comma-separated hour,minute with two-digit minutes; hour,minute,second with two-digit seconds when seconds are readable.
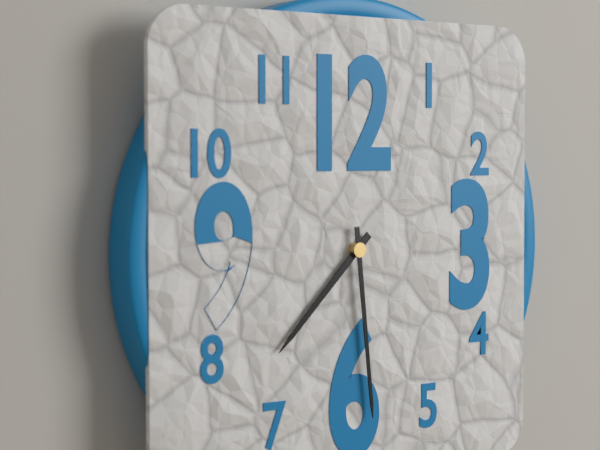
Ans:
7,29
